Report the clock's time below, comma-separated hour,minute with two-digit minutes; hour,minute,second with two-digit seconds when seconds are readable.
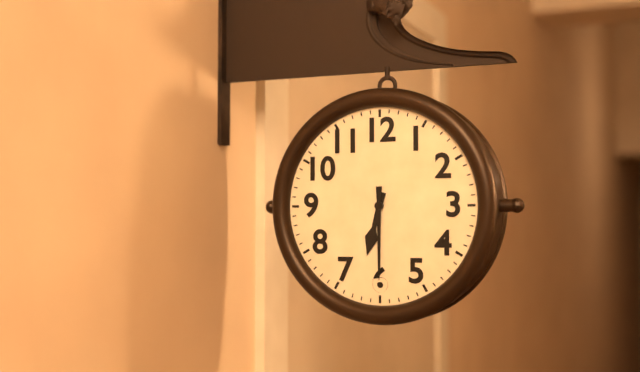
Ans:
6,30
